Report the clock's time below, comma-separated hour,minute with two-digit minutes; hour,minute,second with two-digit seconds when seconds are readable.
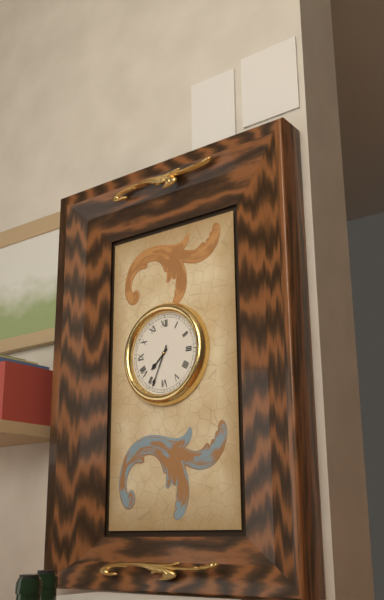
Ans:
7,34
